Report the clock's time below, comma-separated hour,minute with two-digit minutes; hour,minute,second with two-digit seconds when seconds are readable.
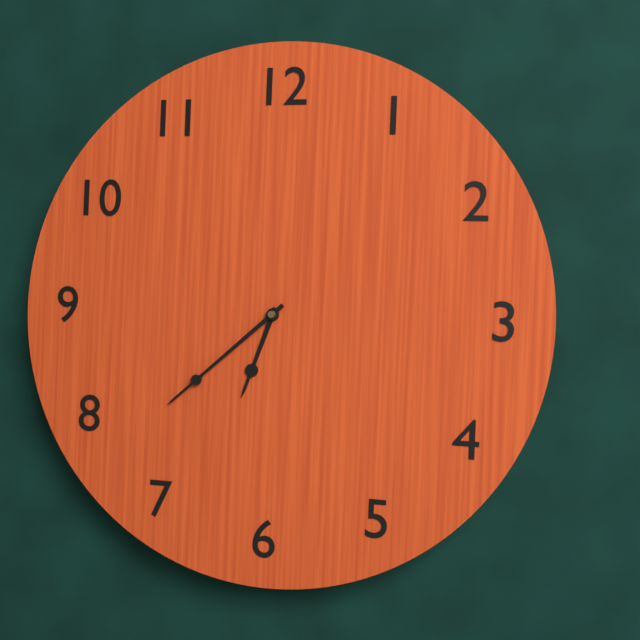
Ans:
6,38
